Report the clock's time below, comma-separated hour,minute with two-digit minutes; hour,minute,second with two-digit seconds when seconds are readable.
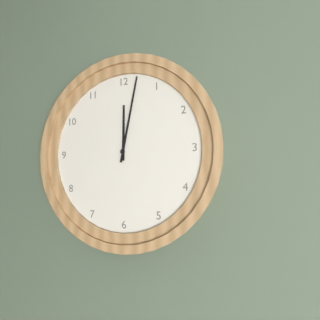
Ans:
12,02
